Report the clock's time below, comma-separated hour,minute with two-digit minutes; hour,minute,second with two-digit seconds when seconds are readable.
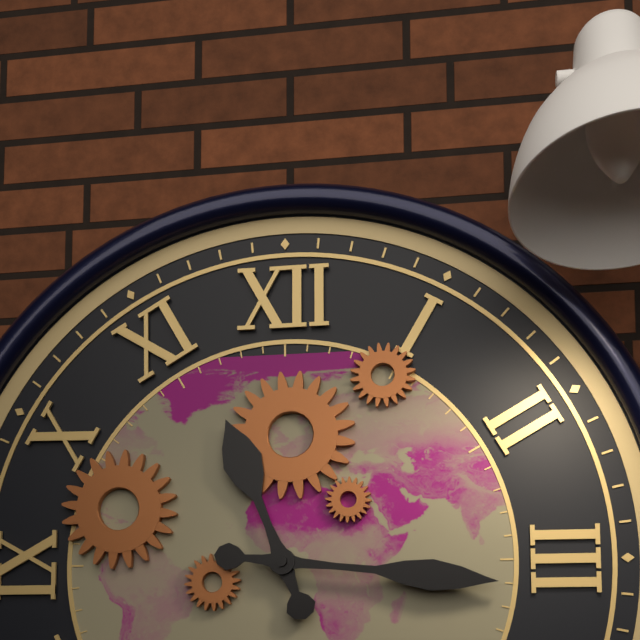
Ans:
11,16
